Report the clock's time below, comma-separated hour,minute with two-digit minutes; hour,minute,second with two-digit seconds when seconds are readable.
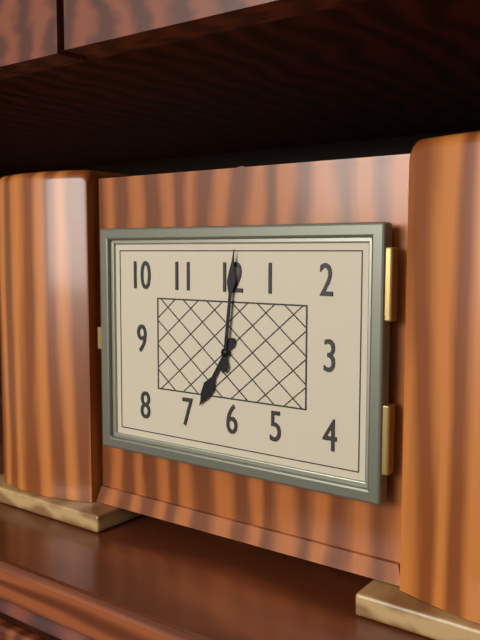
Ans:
7,01
